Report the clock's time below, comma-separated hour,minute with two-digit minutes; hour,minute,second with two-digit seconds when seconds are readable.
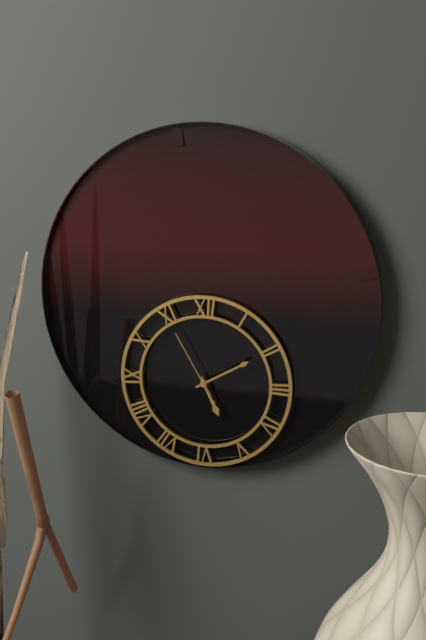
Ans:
5,10,55
